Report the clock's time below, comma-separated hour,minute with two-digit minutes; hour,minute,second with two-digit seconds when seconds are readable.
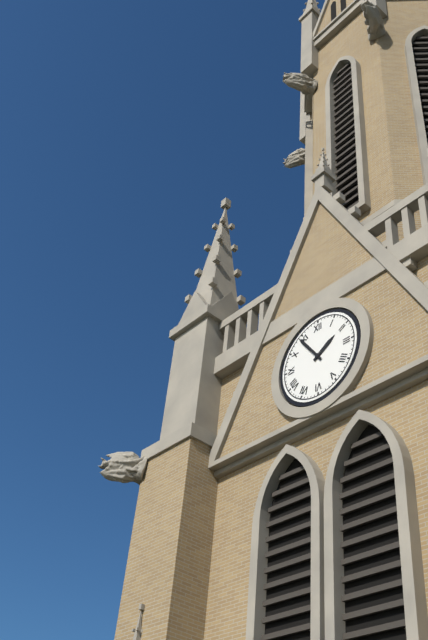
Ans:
1,54
